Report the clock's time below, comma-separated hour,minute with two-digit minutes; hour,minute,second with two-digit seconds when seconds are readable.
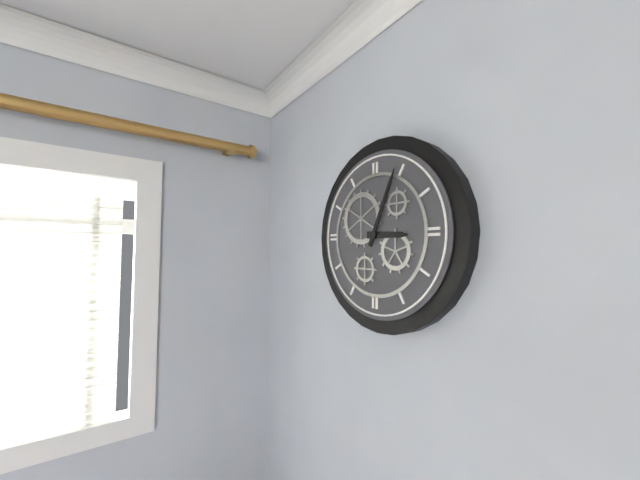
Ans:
3,04
